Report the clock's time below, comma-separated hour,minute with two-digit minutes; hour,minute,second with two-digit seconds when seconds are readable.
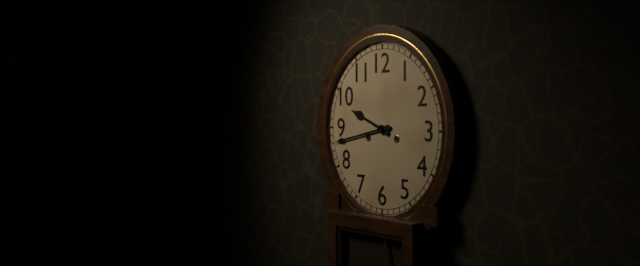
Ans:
9,43
